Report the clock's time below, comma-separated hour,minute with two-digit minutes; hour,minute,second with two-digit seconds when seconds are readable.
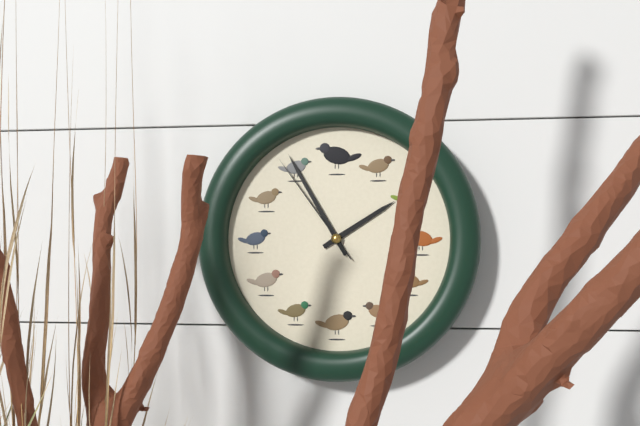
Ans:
1,55,54
